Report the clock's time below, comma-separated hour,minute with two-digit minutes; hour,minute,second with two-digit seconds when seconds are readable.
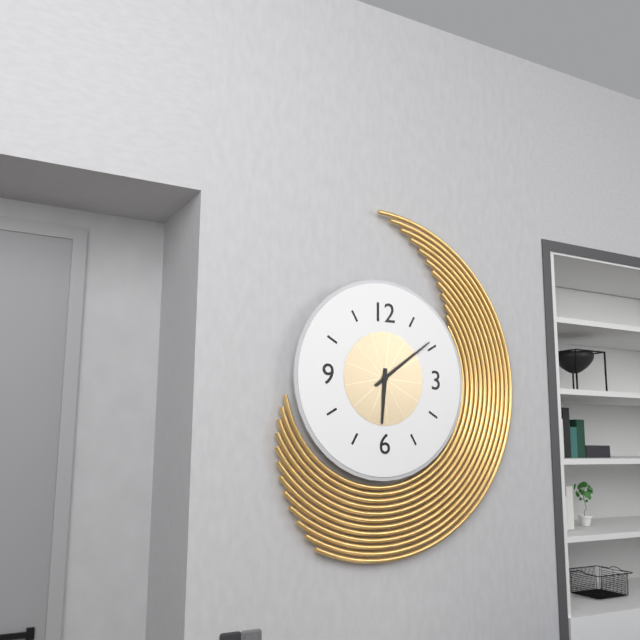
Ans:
6,09
